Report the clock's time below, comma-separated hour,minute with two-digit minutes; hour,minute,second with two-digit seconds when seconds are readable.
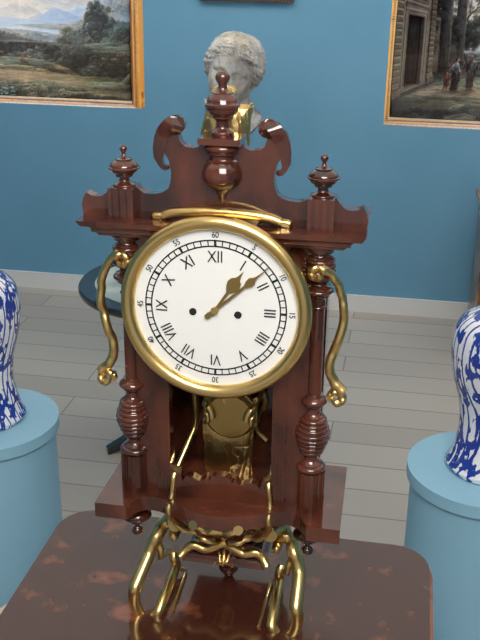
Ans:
1,08
